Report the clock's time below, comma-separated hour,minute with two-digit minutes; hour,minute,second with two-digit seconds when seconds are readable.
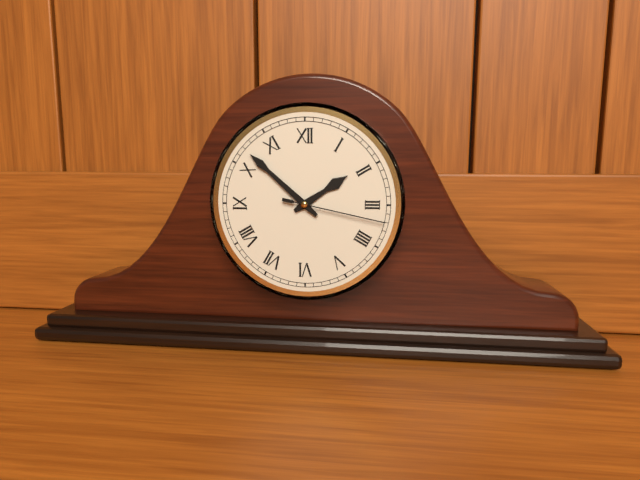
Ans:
1,52,17
